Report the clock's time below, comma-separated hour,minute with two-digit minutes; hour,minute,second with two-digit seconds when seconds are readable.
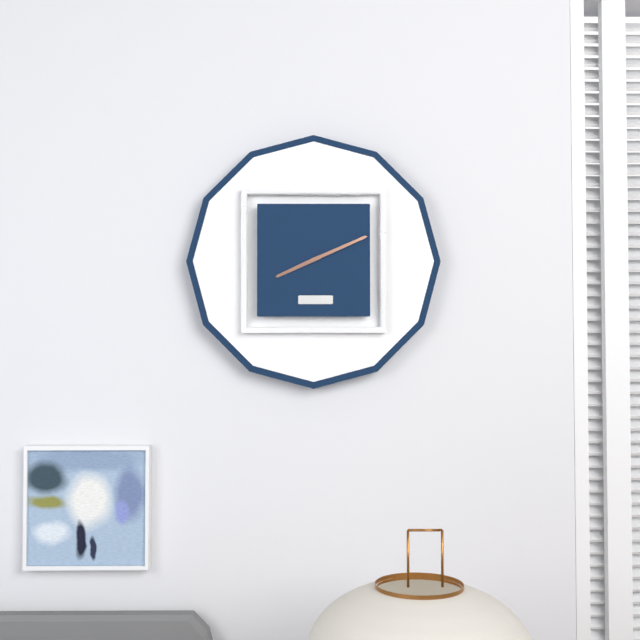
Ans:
8,11
